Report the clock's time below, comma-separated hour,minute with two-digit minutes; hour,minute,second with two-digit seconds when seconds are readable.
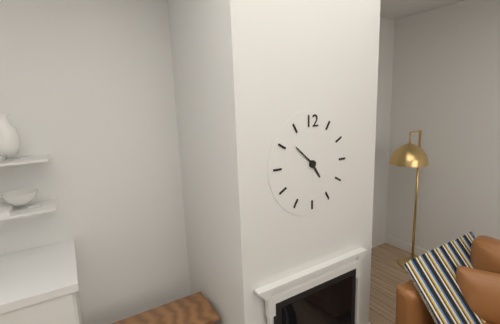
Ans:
4,52
